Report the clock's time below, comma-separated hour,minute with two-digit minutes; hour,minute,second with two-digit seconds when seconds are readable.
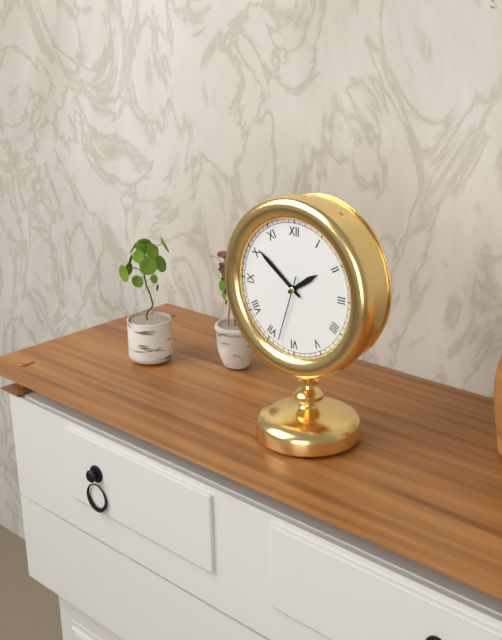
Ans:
1,51,33
